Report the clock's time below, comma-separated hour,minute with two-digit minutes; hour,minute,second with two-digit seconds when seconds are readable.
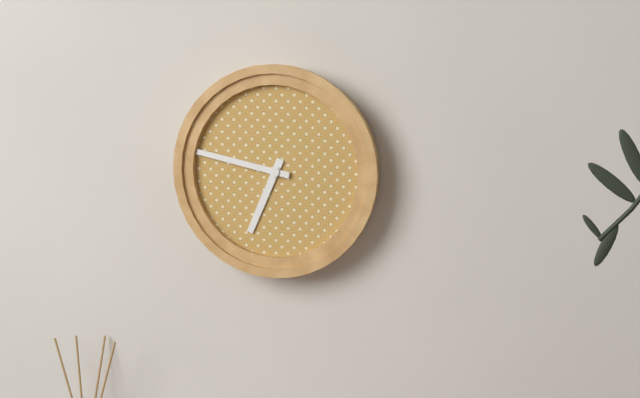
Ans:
6,47
